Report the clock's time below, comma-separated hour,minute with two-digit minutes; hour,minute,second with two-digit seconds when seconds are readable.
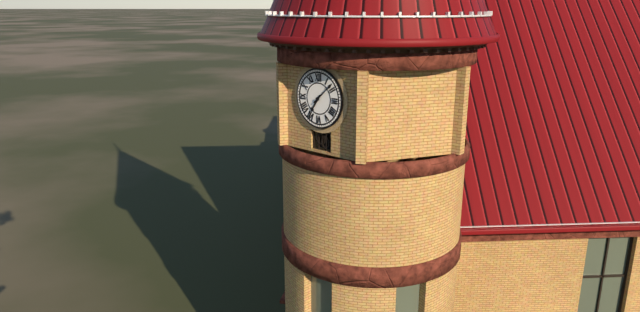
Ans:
7,08
